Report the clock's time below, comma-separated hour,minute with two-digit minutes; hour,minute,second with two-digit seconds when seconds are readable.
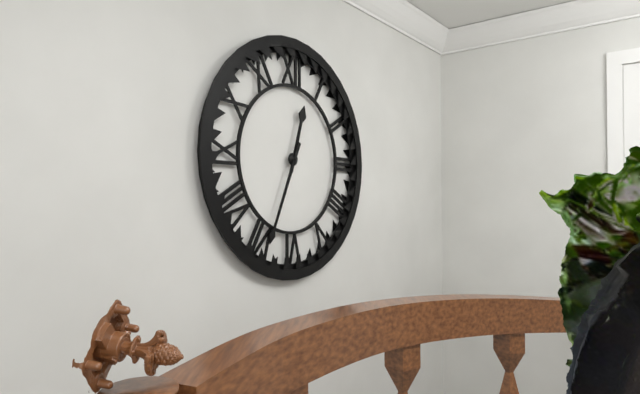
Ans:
12,34
